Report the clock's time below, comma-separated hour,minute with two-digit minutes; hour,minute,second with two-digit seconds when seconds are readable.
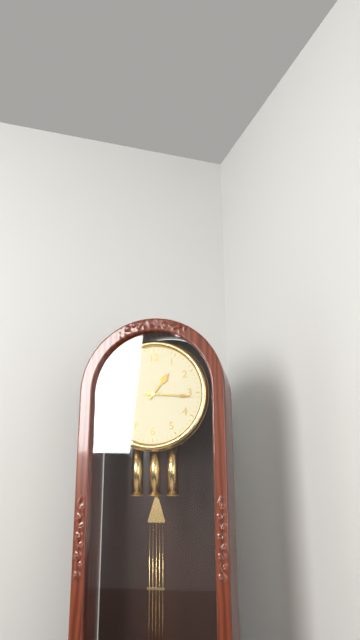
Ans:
1,16
